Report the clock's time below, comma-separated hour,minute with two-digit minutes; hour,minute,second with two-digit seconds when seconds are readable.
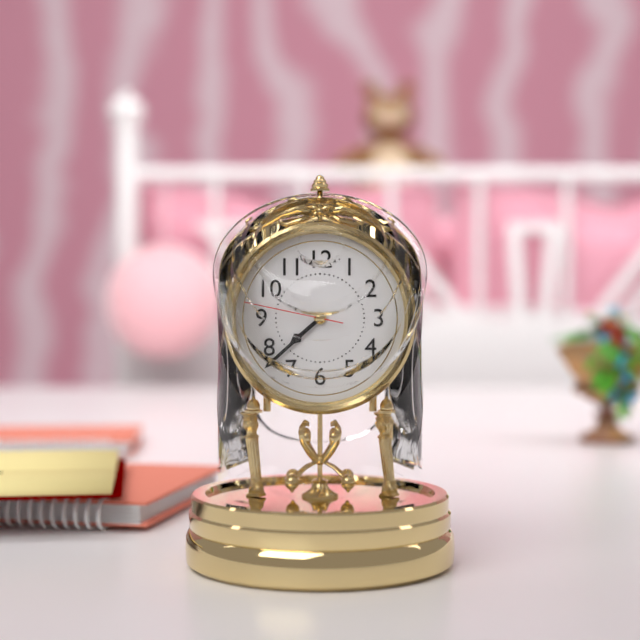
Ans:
7,38,47
